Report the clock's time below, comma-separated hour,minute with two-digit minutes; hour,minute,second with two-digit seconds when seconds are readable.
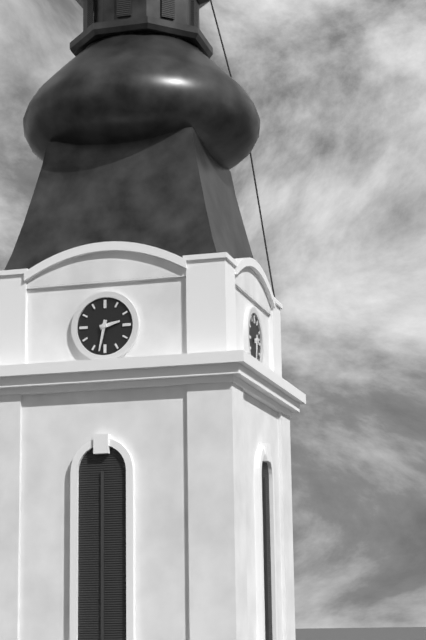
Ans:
2,32
